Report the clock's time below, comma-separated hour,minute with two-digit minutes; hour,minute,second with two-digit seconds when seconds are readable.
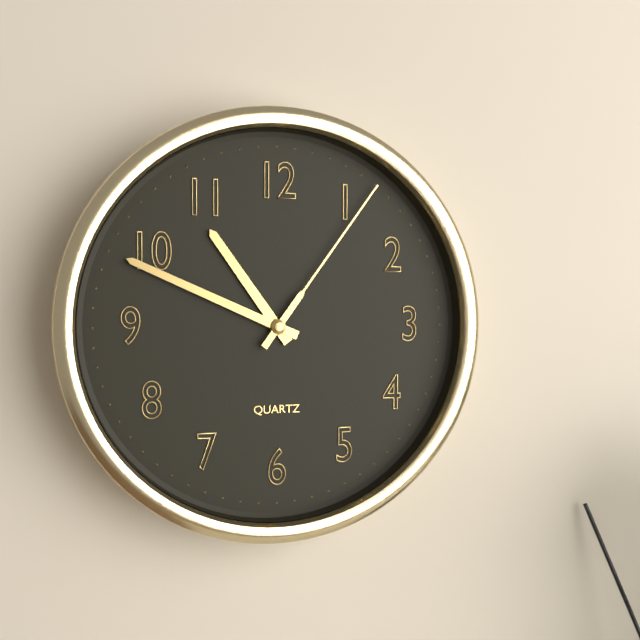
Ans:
10,49,06
